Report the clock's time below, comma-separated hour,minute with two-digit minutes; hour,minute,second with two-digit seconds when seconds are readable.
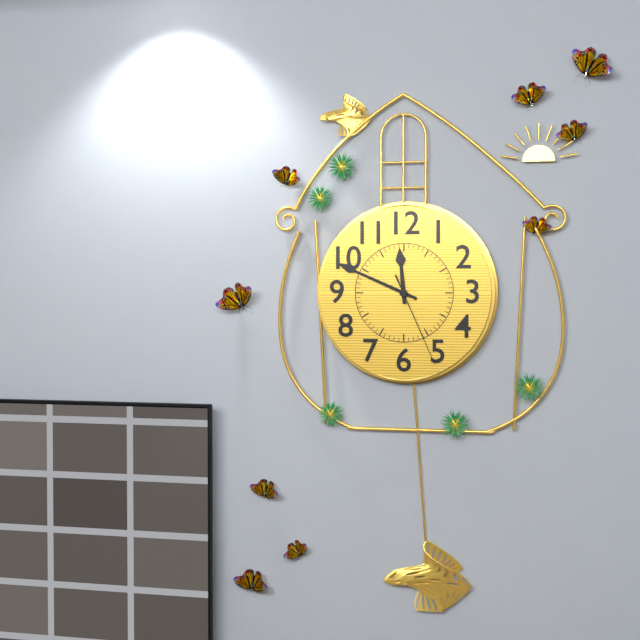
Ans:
11,49,26
